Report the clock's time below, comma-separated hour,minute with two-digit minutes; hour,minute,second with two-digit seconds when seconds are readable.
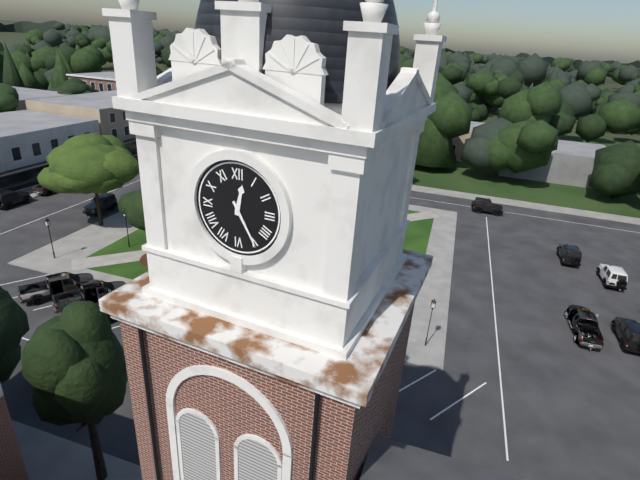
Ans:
12,25
